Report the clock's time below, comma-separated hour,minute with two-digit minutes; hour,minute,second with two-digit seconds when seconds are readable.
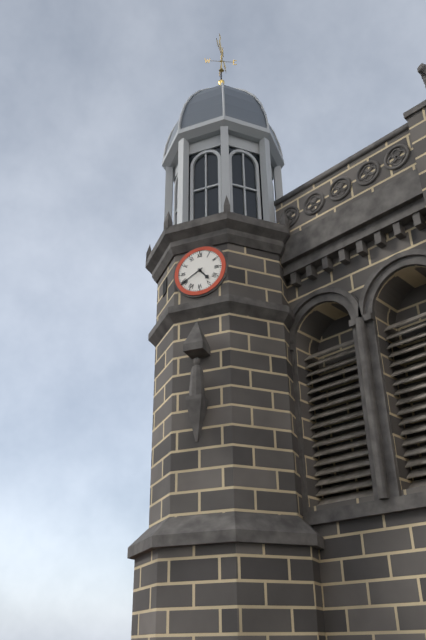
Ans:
4,40
